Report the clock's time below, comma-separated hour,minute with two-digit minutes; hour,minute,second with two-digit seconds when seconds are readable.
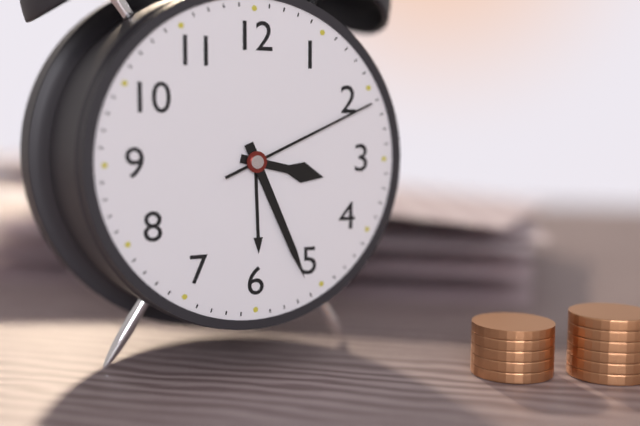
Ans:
3,26,11
